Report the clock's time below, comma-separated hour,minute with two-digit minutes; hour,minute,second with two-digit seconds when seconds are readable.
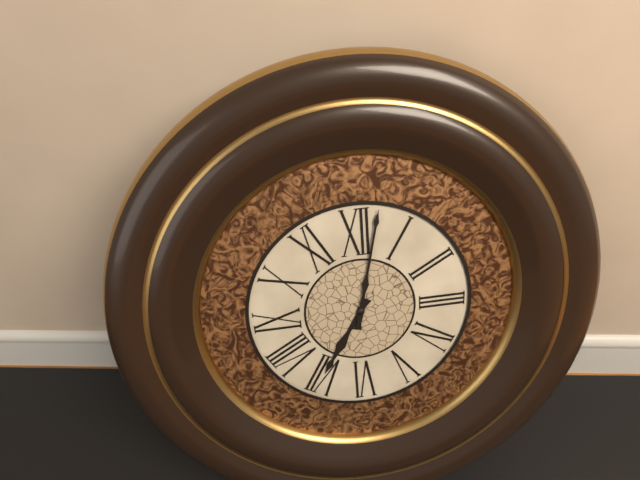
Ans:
7,02
